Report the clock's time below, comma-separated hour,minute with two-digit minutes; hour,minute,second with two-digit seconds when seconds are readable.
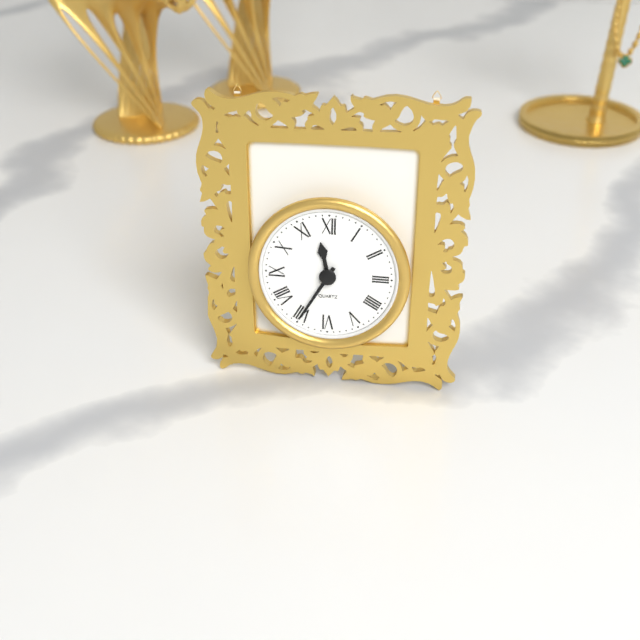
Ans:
11,35
